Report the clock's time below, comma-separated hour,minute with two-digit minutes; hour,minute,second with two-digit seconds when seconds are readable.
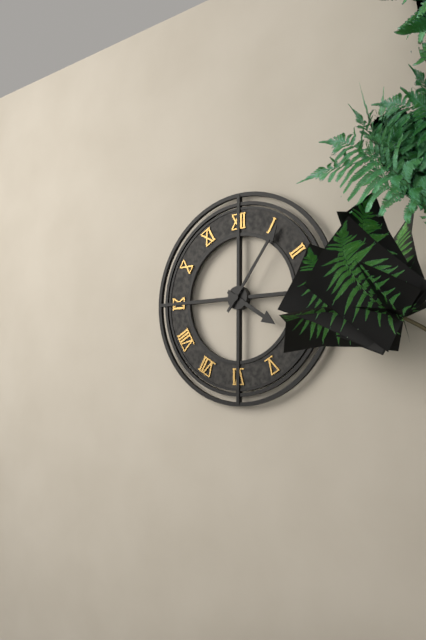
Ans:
4,06
